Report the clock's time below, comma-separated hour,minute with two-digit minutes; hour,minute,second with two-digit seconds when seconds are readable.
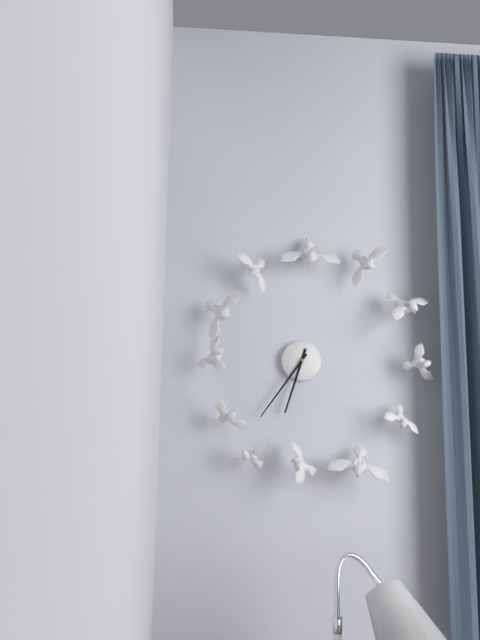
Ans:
6,36
